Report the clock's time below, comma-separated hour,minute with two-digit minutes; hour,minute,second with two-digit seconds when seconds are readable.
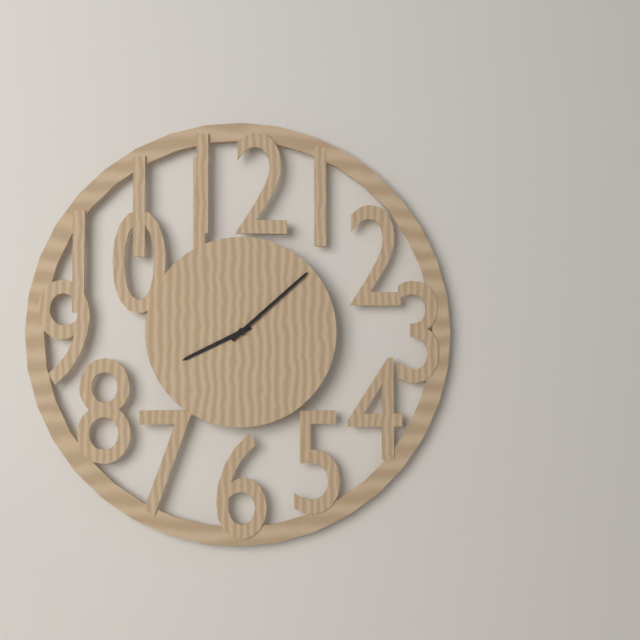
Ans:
8,08
